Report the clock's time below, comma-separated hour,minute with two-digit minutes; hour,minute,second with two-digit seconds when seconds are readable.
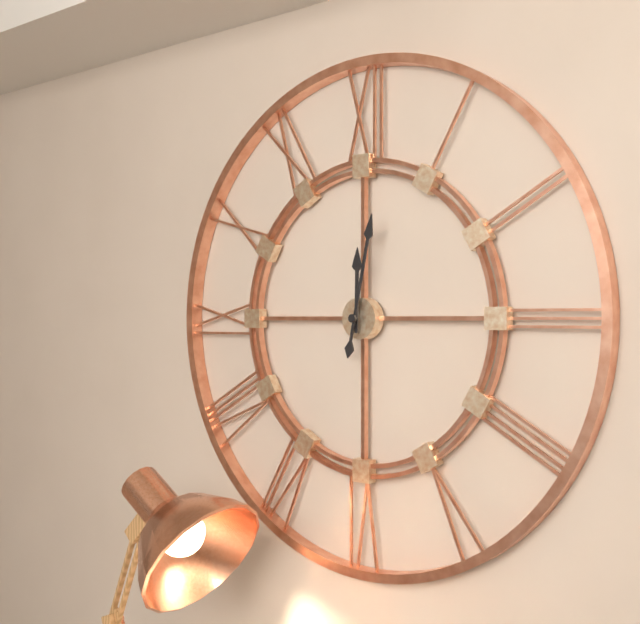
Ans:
12,02
